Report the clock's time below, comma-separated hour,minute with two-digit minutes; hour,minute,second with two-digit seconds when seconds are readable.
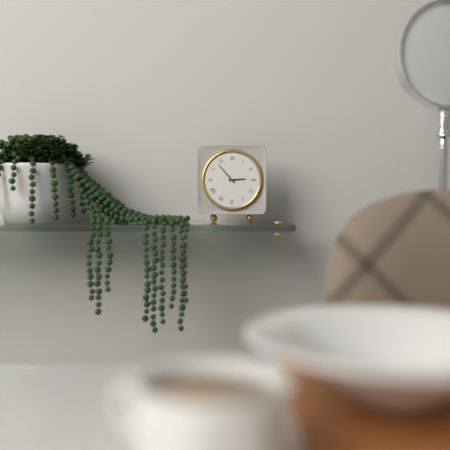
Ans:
2,53
